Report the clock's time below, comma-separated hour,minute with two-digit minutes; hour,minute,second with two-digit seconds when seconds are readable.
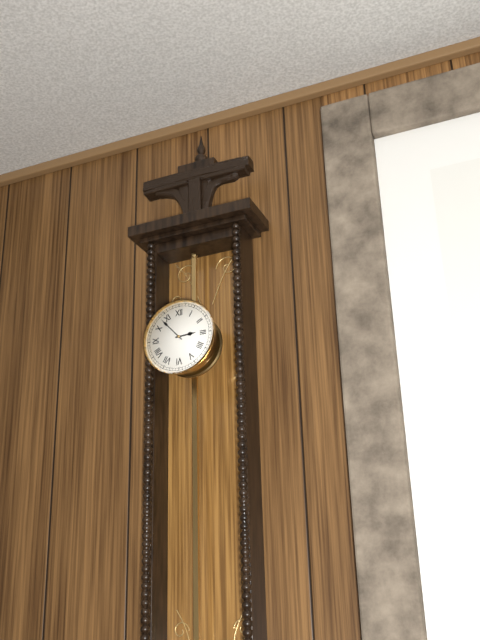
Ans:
2,53
